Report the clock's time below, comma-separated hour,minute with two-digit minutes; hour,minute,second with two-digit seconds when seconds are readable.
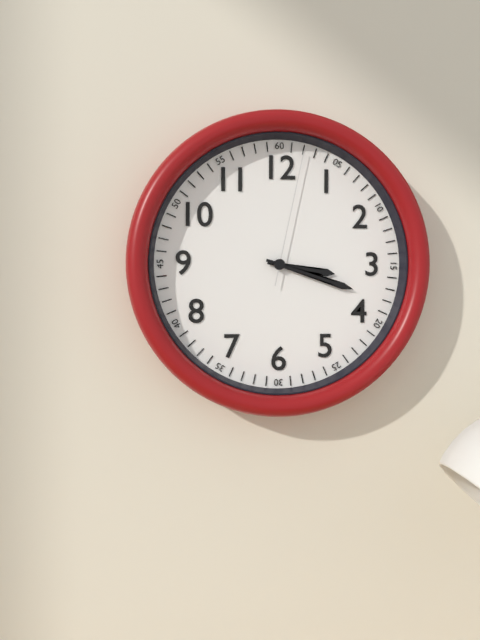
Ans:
3,18,02
